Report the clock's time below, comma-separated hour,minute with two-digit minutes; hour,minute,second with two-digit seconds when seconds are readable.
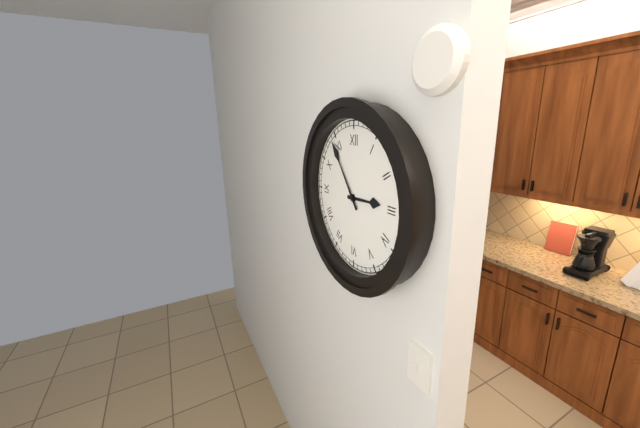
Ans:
2,54
